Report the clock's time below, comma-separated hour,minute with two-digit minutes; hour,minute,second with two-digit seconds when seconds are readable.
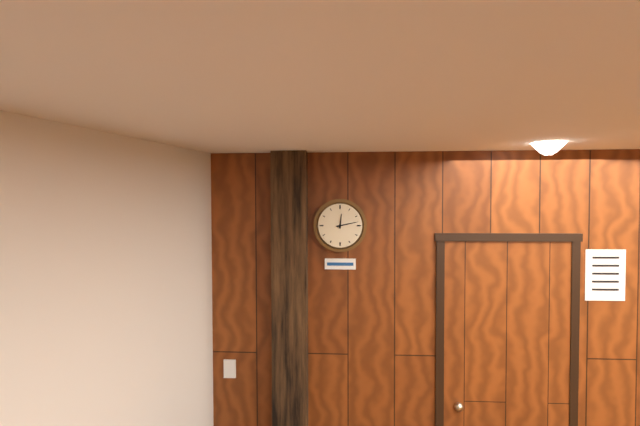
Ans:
12,13
